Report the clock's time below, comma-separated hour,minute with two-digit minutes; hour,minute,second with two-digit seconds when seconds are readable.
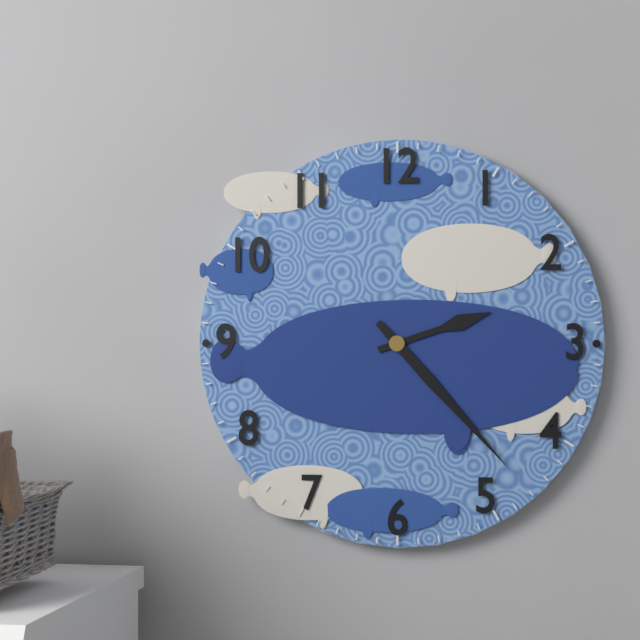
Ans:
2,23
